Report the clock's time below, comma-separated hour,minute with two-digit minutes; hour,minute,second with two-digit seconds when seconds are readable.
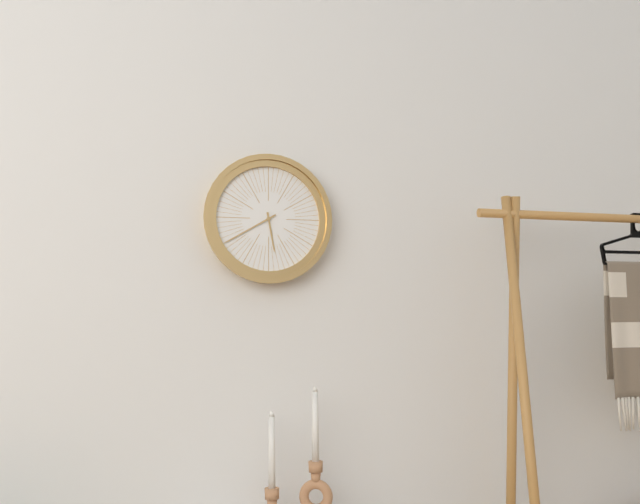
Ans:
5,40
